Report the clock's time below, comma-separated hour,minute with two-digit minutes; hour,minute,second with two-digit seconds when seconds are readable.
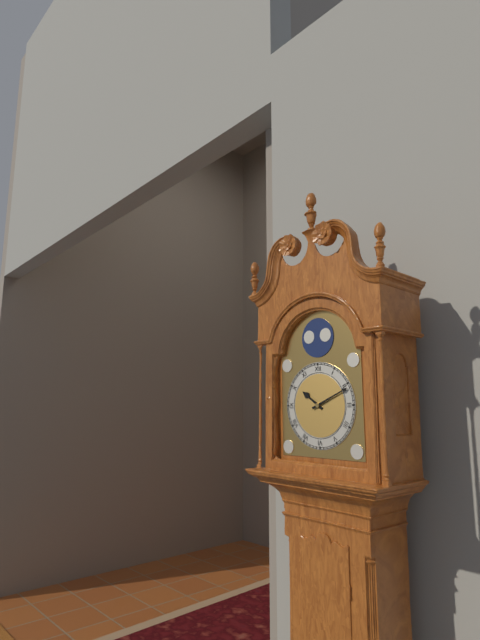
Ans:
10,11
